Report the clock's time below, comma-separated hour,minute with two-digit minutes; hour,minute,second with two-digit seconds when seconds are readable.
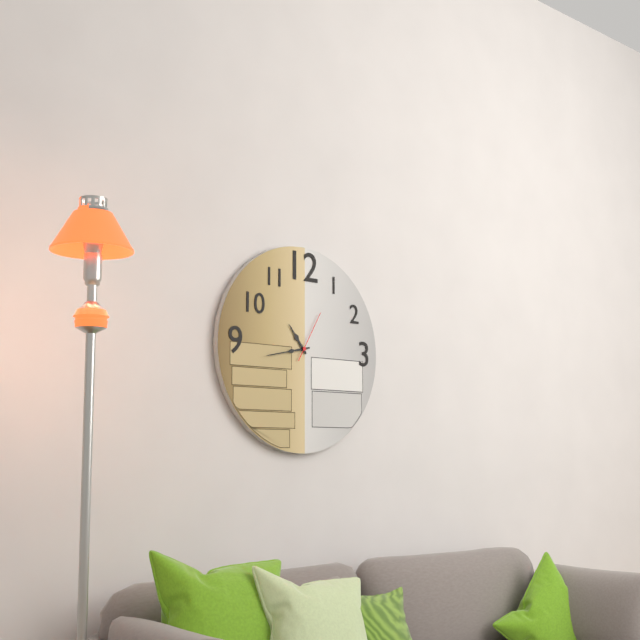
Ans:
10,43,05
